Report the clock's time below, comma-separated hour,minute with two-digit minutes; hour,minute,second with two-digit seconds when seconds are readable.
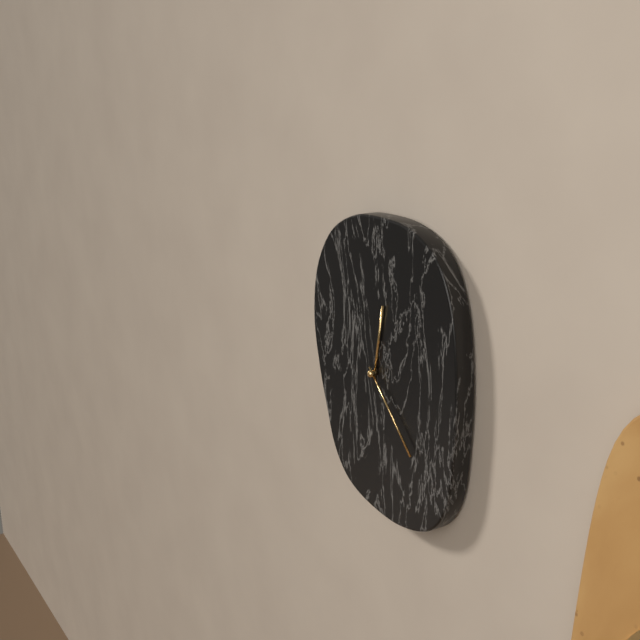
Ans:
12,23
